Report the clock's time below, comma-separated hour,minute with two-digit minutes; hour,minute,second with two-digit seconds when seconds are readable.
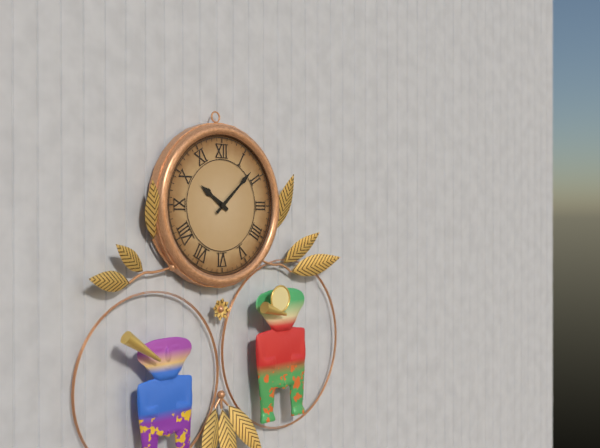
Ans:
10,08
